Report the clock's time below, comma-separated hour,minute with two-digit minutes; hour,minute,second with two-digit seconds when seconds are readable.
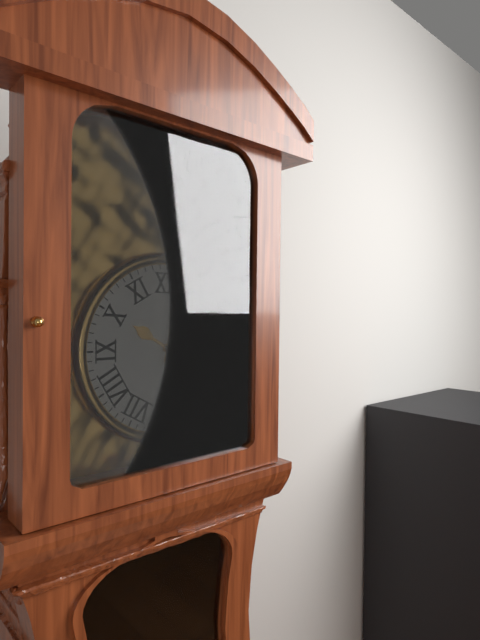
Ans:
10,02
